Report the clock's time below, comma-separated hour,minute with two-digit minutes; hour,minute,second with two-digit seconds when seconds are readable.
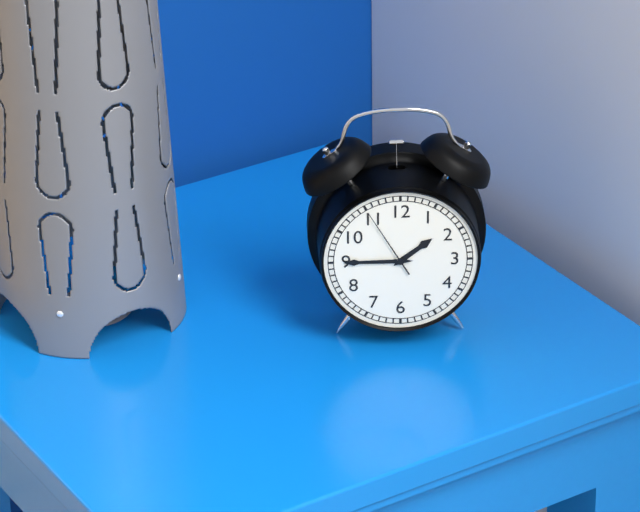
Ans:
1,45,55
